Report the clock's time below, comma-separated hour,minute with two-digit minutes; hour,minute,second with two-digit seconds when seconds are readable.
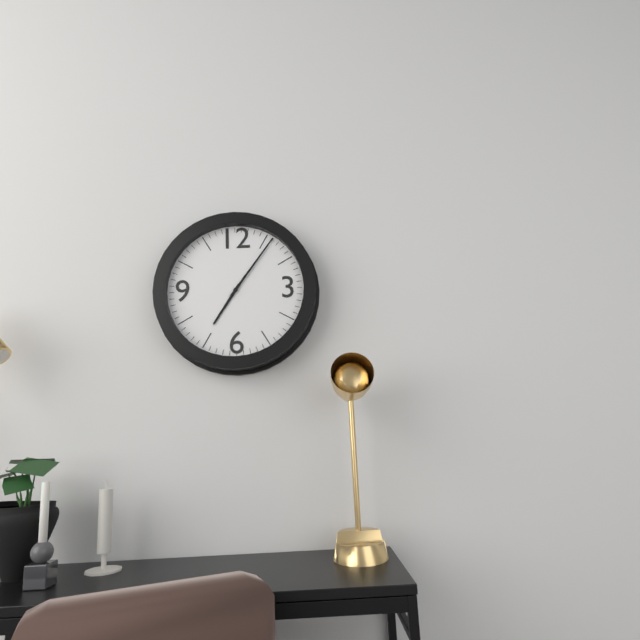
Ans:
7,06
